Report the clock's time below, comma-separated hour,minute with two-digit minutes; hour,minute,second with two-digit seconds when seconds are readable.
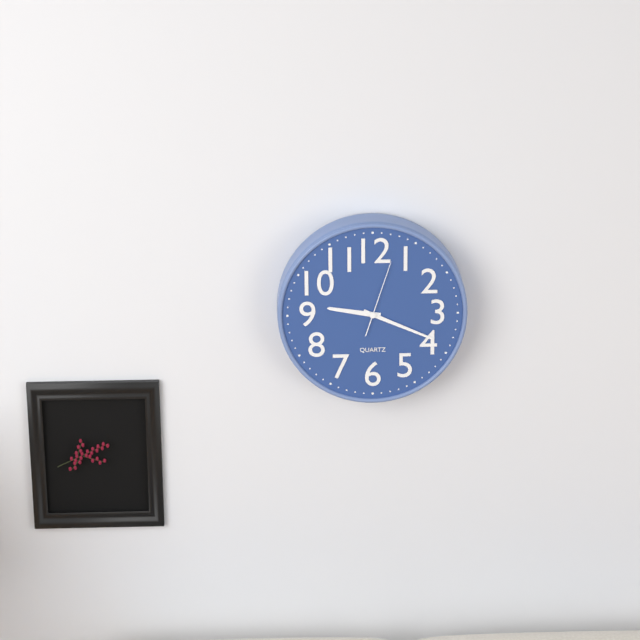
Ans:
9,19,03
